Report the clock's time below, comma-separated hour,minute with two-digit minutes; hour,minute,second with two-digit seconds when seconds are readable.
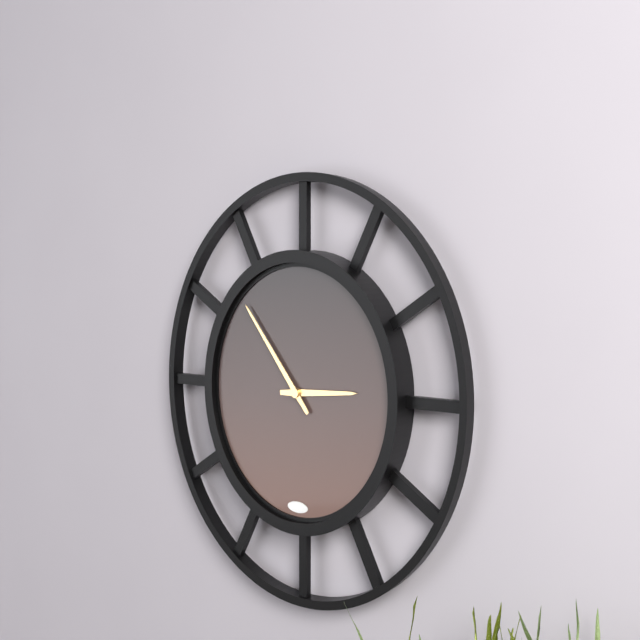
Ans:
2,53
